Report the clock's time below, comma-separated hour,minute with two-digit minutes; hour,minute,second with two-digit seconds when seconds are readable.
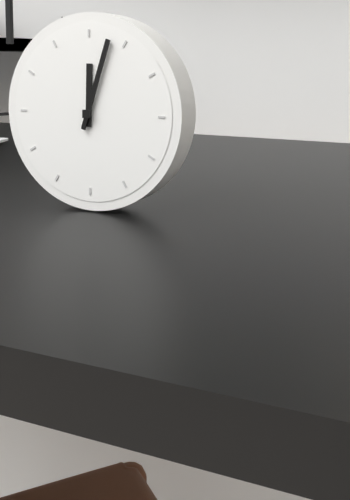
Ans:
12,03
